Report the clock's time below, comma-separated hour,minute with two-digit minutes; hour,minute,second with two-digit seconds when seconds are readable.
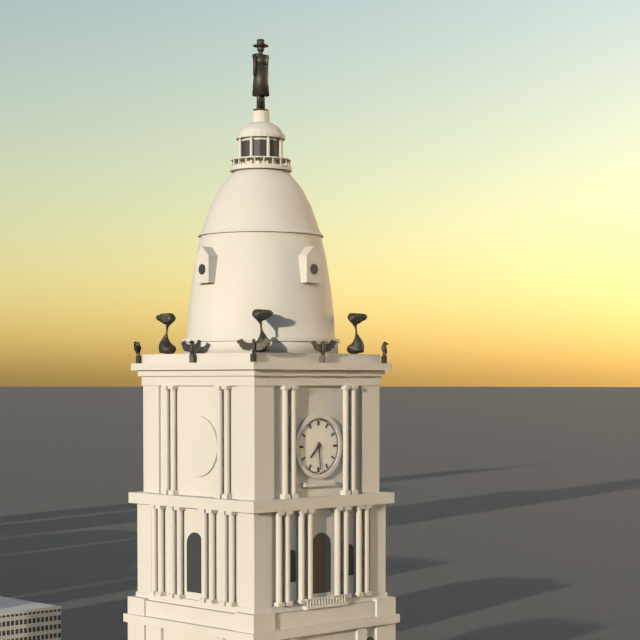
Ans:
7,29
